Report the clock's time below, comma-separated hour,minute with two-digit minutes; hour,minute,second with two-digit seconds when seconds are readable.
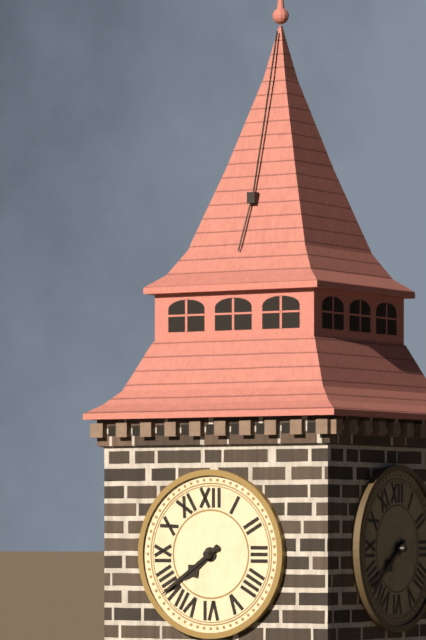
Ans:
7,39
